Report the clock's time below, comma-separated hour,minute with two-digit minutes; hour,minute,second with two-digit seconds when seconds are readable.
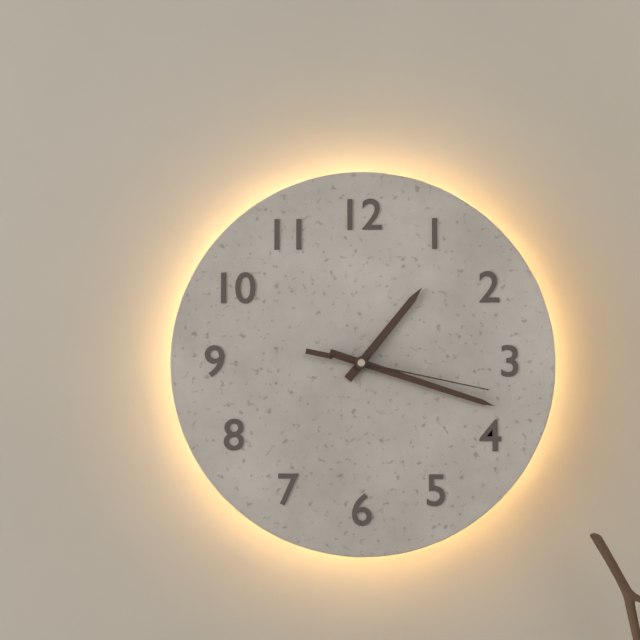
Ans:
1,18,17
